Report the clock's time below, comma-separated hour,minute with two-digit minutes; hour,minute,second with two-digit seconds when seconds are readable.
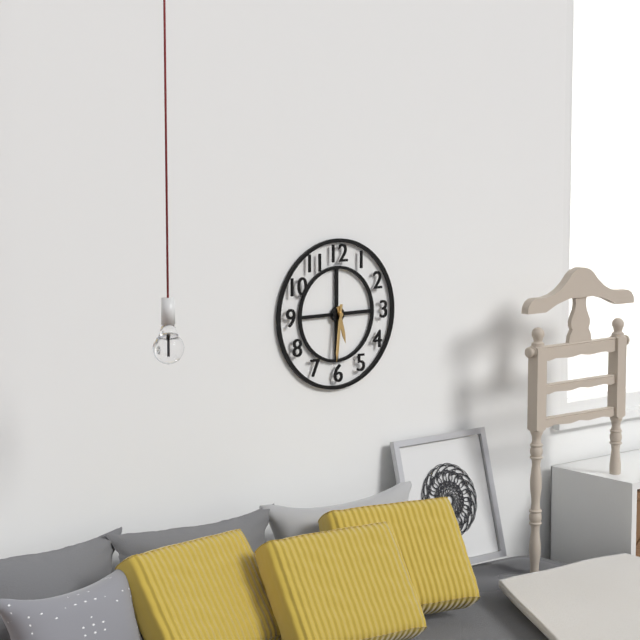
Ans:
5,31
